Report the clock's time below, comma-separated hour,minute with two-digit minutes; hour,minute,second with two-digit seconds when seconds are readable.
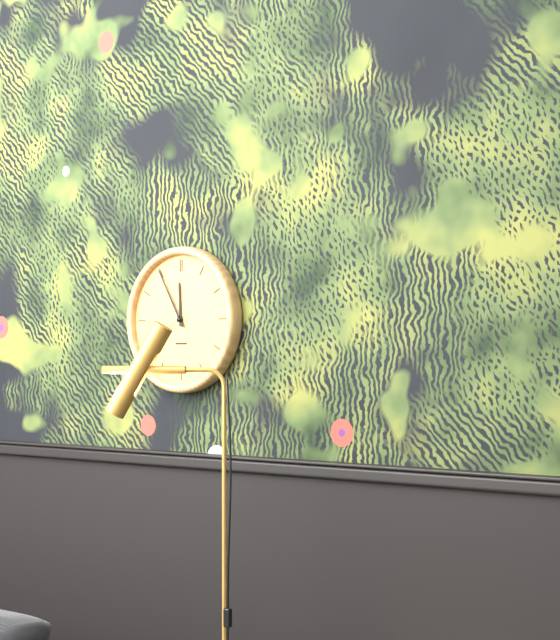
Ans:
11,55
